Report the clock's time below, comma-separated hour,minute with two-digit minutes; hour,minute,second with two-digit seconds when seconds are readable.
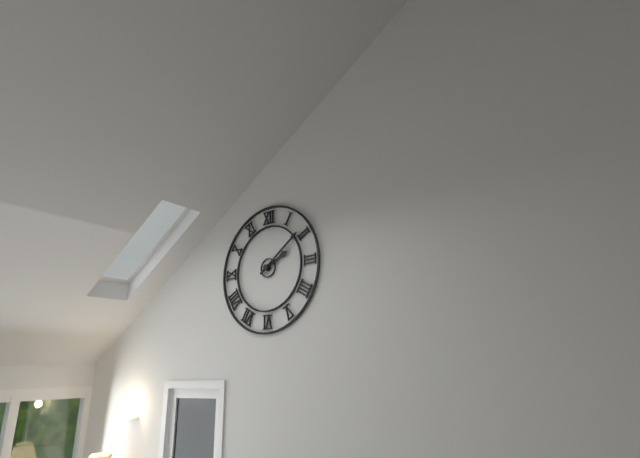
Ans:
2,09
